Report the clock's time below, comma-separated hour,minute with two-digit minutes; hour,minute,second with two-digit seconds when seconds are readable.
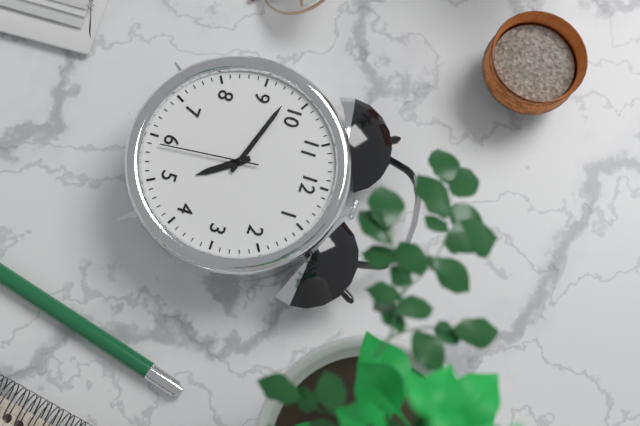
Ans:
4,48,29
